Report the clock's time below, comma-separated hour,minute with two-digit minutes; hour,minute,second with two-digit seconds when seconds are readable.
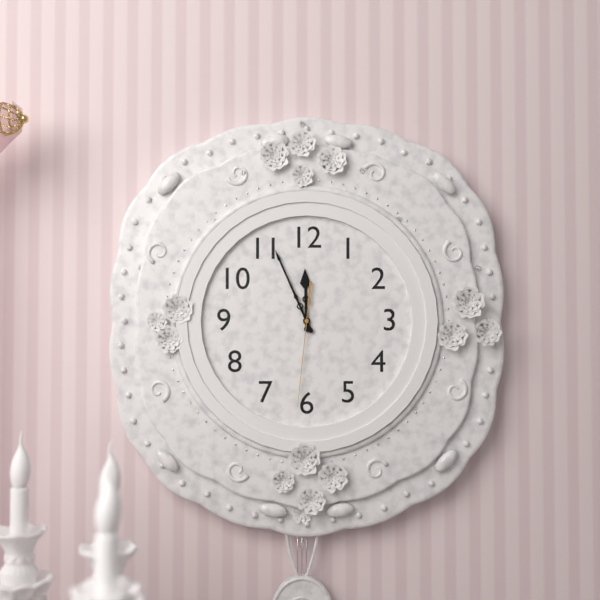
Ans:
11,56,31
